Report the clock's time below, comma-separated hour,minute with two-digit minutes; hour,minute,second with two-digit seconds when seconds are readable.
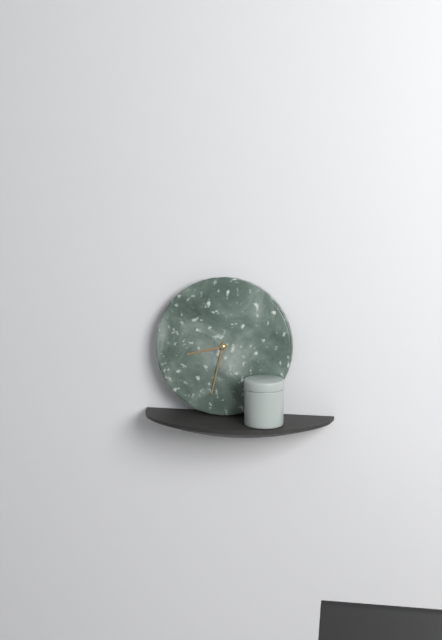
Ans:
8,32
